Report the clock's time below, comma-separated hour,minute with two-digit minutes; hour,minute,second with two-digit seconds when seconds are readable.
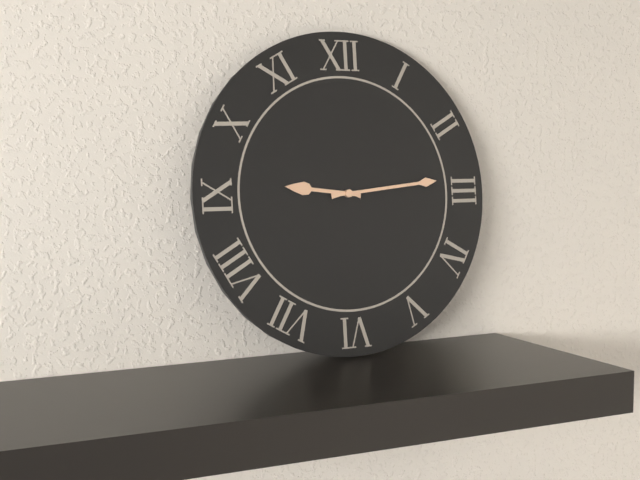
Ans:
9,14
